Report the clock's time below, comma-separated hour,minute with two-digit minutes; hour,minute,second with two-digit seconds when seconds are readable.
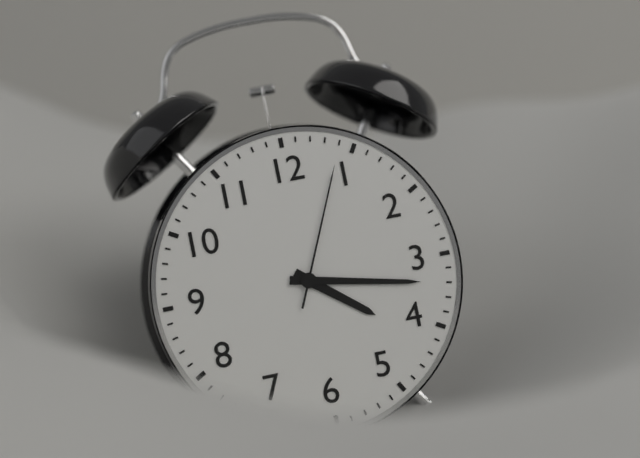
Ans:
4,17,04
